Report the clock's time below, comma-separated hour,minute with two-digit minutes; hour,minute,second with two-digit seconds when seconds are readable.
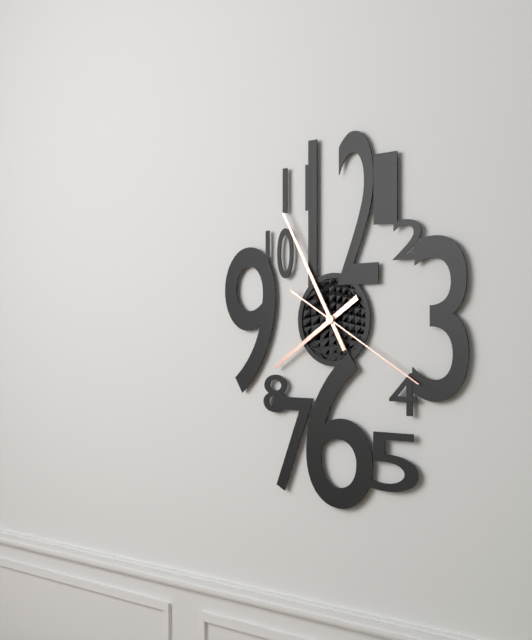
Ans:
7,55,20
